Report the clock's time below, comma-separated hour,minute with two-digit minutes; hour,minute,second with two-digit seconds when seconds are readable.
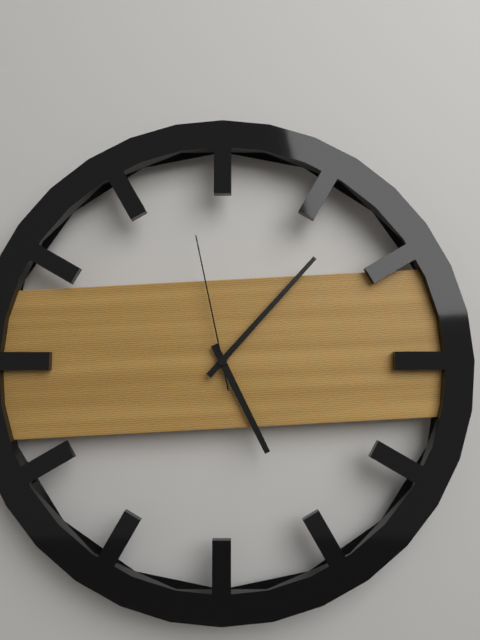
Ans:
5,07,58
